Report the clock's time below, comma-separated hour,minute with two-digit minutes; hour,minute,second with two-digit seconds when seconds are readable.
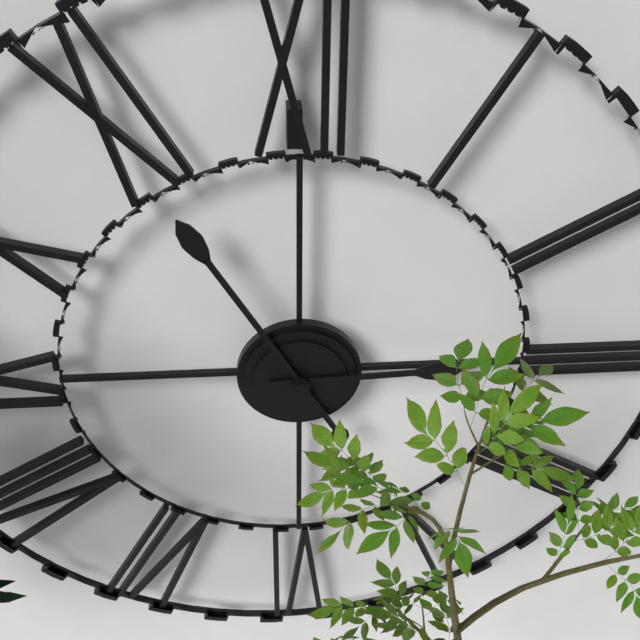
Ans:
2,55
